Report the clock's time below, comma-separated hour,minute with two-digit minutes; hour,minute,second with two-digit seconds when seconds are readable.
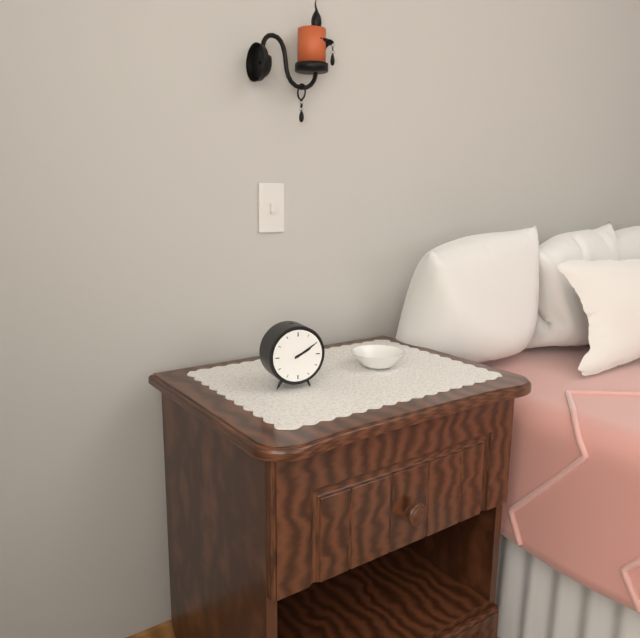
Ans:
2,10
